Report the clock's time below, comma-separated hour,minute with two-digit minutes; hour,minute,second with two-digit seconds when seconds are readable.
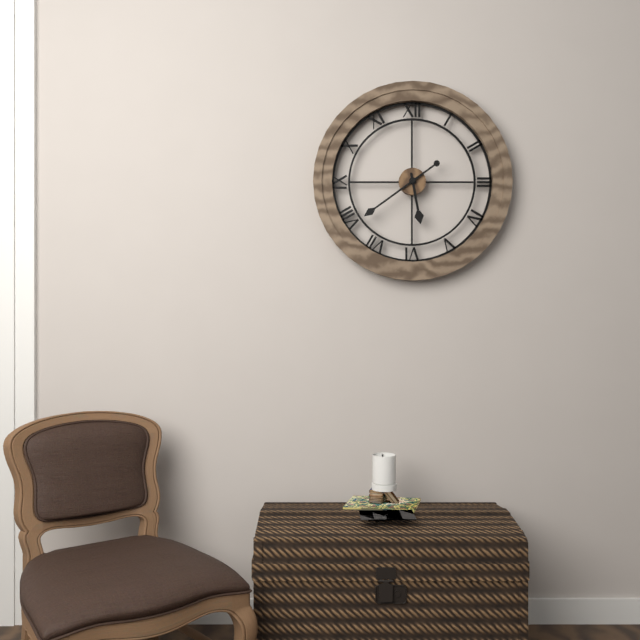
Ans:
5,39
